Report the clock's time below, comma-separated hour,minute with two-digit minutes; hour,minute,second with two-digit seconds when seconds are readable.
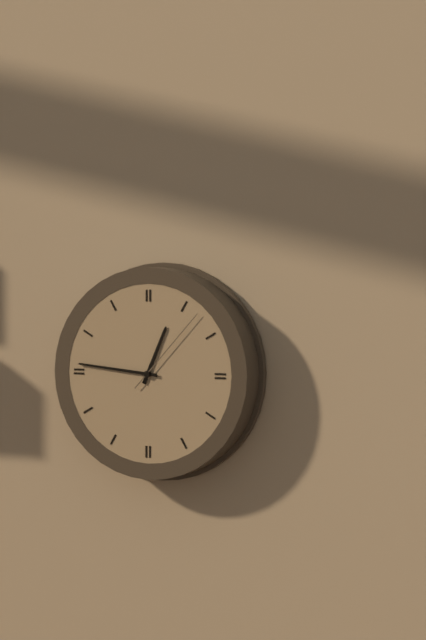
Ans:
12,46,07
